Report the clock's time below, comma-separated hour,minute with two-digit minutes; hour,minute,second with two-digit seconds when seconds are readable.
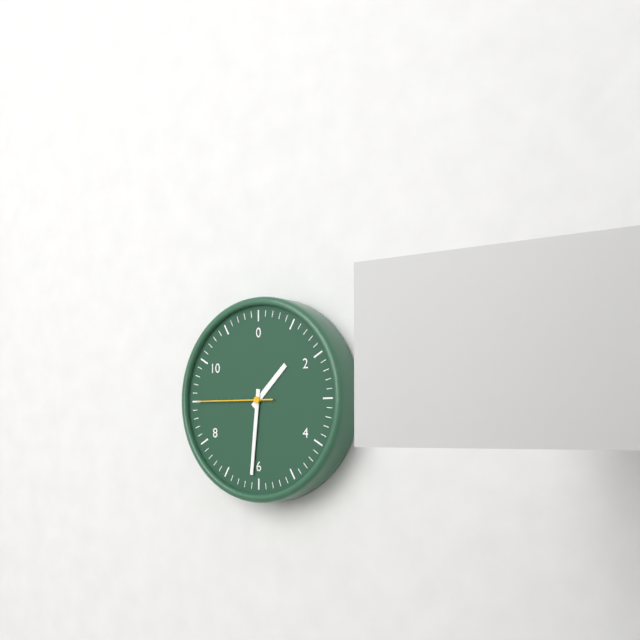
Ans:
1,31,45
